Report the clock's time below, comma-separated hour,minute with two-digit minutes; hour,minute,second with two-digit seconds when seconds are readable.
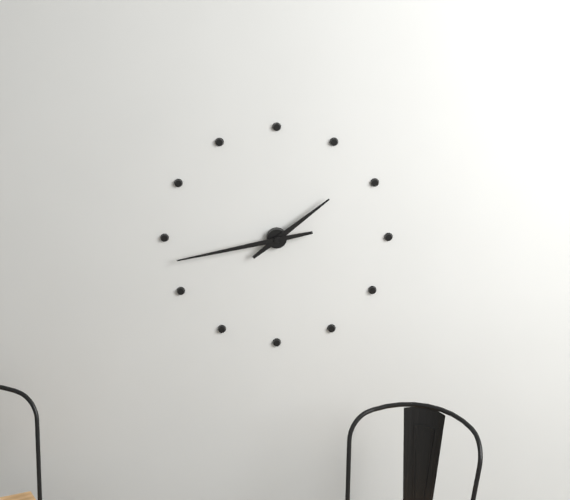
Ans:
1,43
